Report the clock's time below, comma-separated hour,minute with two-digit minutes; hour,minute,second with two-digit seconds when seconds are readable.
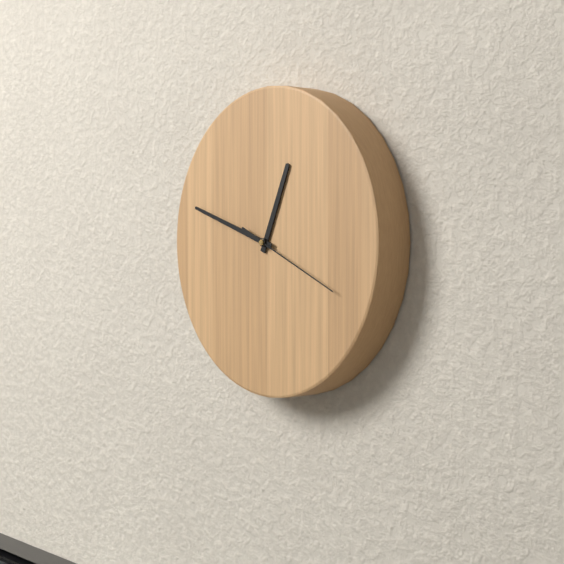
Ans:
12,48,19
